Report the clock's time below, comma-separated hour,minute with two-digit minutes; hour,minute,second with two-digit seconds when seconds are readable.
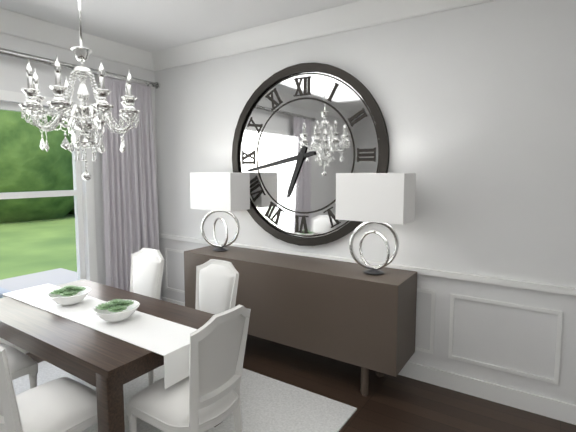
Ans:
6,43
